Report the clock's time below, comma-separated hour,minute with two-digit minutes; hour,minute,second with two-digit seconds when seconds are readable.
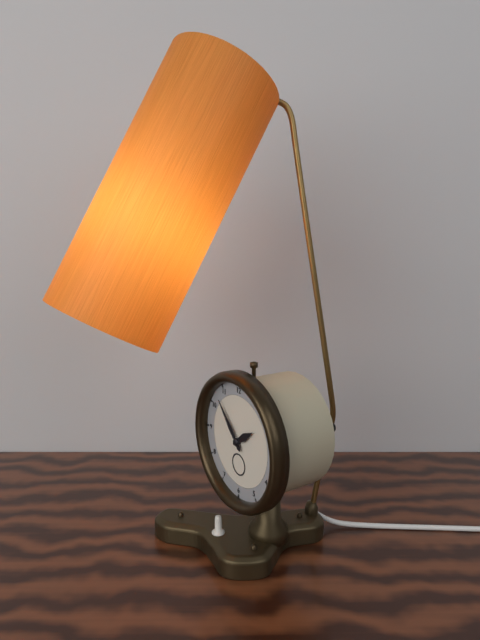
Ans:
1,53
